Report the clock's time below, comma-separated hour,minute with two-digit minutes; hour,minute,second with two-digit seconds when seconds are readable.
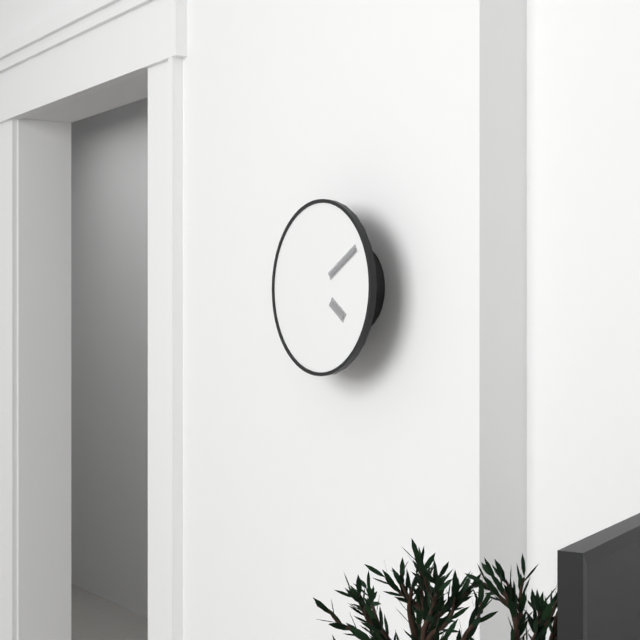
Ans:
4,10
